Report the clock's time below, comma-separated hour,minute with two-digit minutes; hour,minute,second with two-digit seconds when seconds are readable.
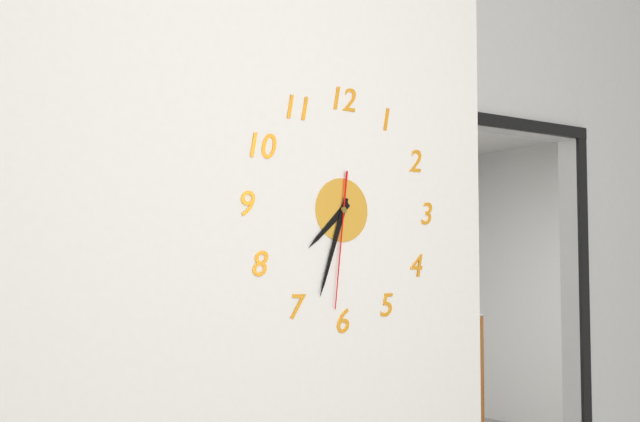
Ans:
7,33,31
